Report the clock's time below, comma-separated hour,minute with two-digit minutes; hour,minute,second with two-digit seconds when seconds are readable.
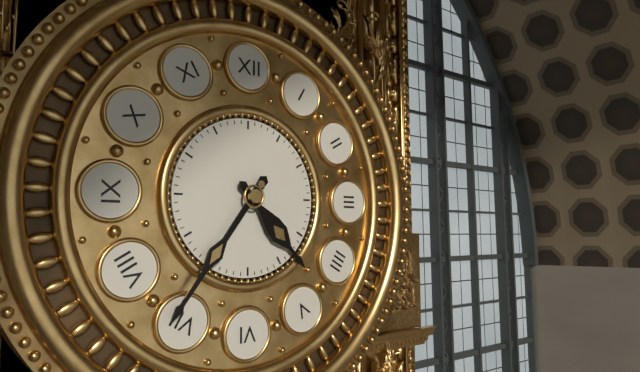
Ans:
4,36
